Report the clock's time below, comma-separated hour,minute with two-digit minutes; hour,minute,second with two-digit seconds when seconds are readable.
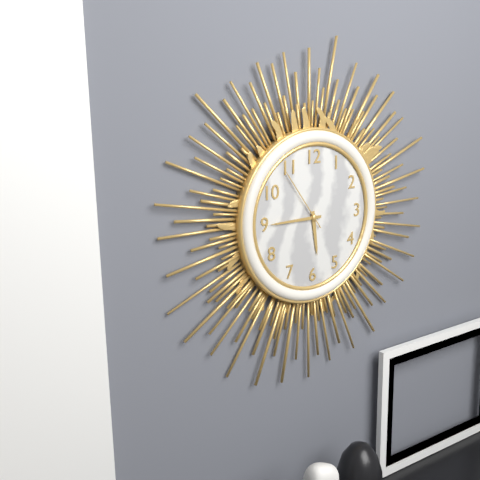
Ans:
5,45,54
